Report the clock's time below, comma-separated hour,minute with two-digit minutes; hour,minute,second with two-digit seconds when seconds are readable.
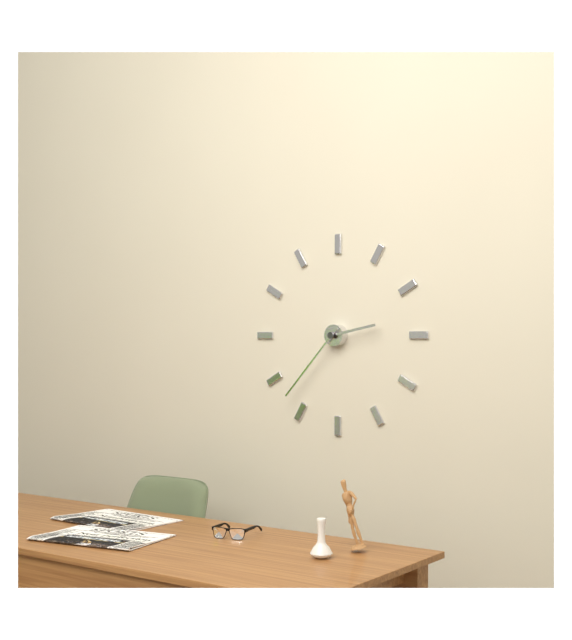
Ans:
2,37
